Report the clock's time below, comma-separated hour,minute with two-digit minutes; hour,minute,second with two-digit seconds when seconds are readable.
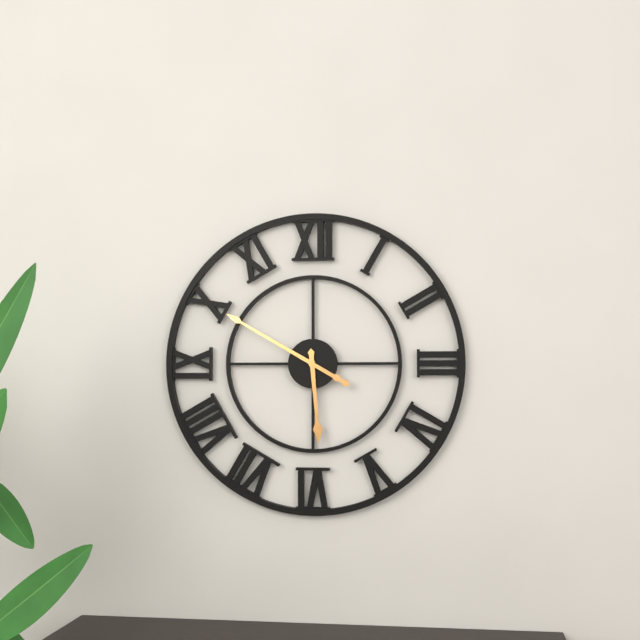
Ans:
5,50
